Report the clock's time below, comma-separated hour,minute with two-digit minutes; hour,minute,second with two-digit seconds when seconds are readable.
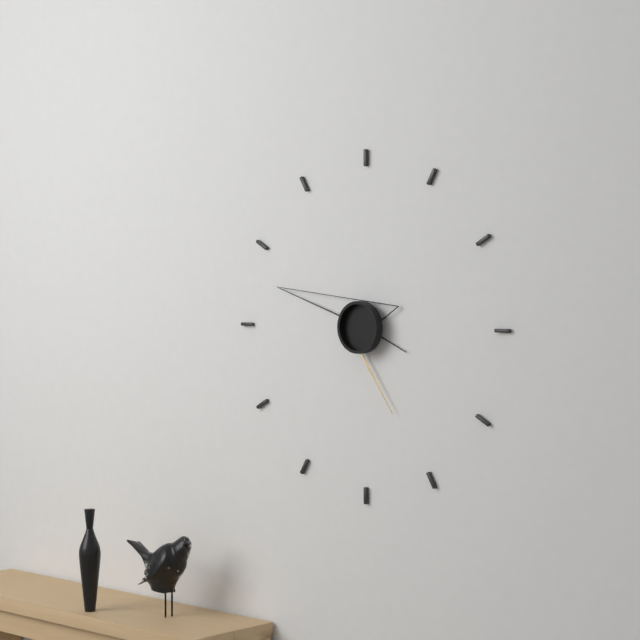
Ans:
3,48,26
